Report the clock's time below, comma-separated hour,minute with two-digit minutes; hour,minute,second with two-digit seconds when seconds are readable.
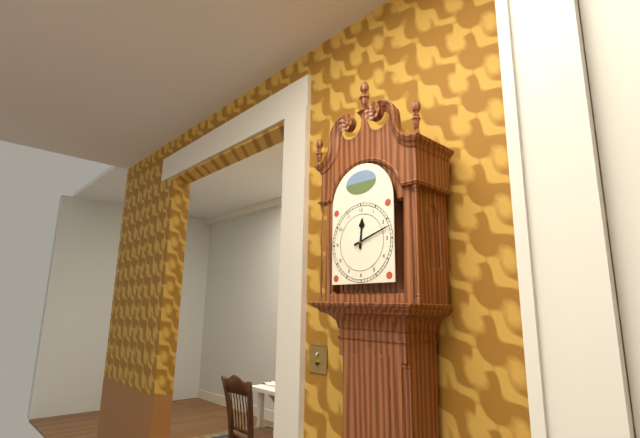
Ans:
12,12
